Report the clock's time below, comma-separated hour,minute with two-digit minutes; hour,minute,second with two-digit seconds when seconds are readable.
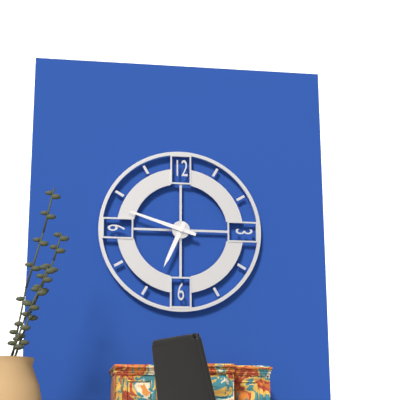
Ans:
6,48
